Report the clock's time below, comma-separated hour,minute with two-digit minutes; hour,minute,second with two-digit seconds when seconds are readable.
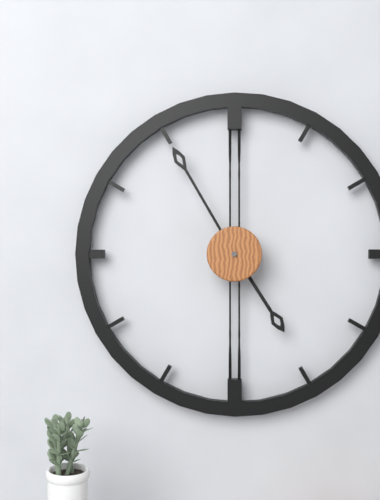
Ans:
4,55
